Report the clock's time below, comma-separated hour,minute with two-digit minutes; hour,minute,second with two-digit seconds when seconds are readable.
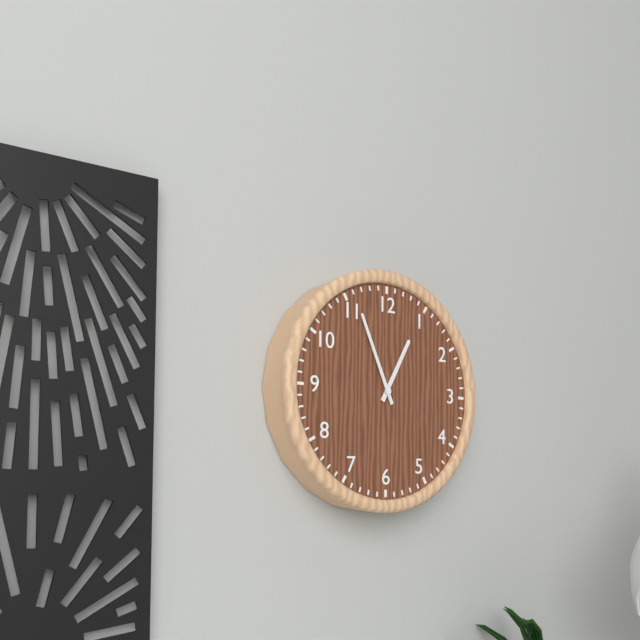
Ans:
12,56
